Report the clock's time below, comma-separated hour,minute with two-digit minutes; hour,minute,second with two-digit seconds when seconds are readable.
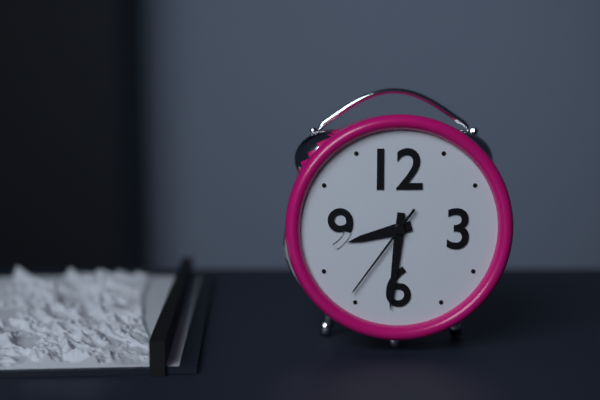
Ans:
8,31,36
